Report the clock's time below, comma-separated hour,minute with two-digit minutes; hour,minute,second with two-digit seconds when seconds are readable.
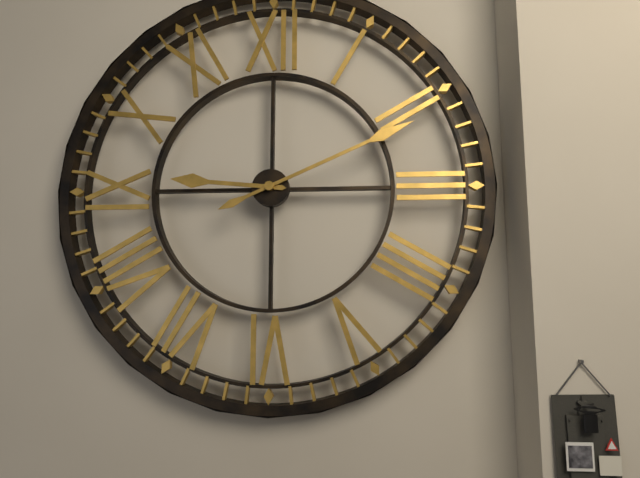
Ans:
9,11
